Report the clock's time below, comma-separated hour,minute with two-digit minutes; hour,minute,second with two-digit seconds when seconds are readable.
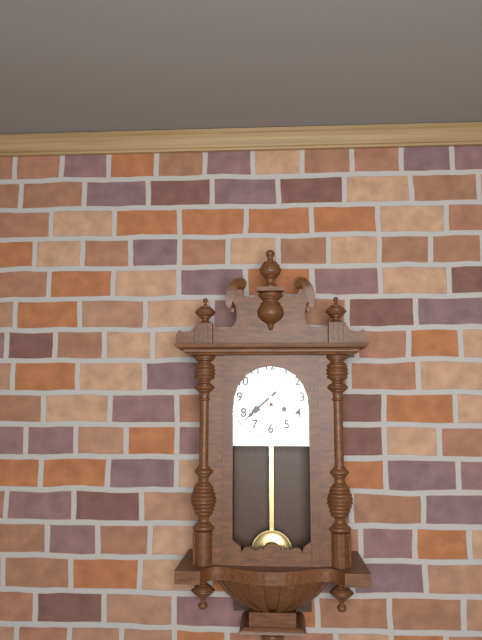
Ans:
7,38
